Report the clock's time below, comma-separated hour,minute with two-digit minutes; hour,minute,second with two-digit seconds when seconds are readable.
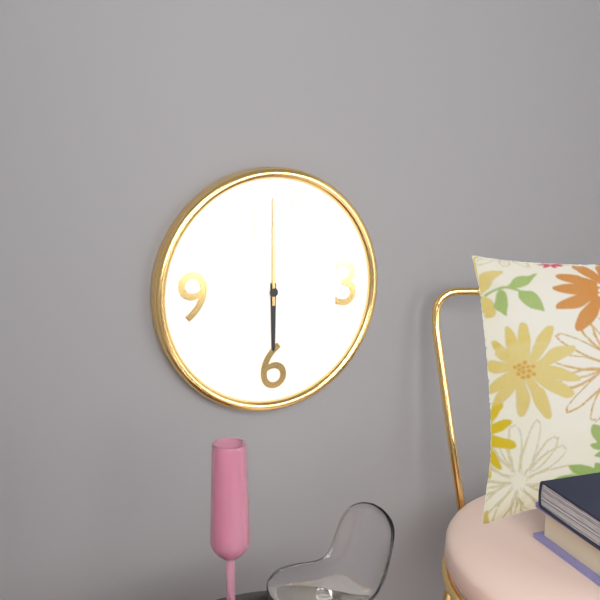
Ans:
6,00
